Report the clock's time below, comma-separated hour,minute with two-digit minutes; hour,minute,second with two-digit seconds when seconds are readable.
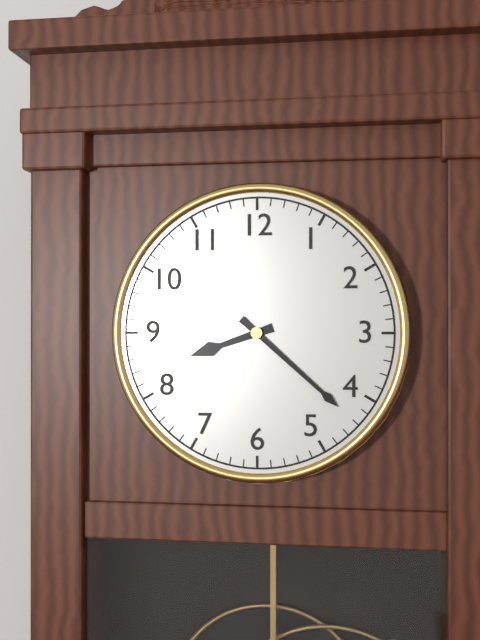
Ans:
8,22
